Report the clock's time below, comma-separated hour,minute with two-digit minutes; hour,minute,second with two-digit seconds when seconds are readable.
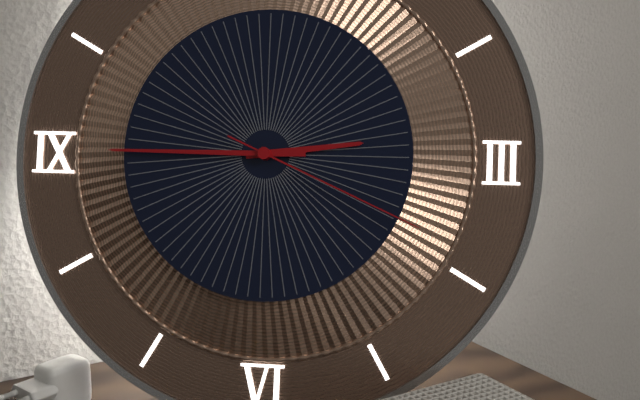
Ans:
2,45,19
